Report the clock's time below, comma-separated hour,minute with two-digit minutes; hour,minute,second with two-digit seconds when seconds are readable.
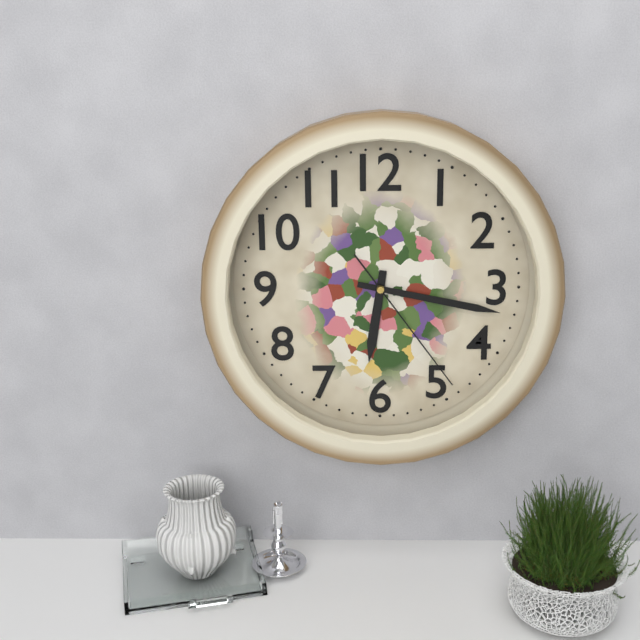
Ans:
6,17,24
